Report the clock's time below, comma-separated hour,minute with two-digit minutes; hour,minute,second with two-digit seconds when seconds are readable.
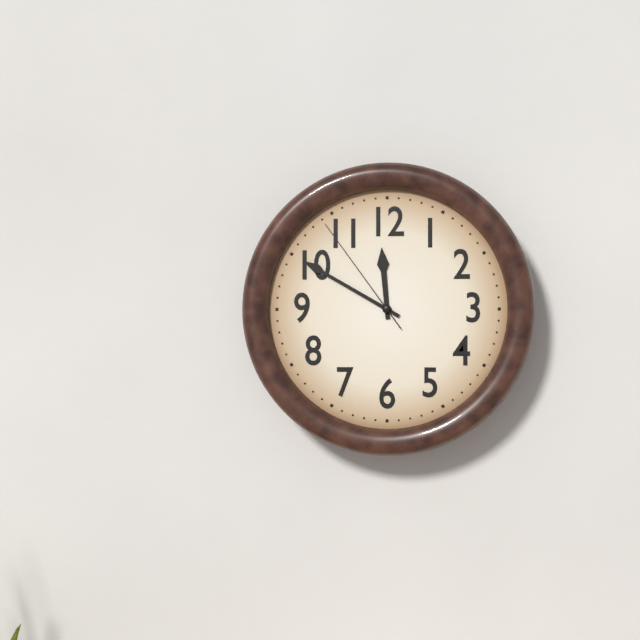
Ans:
11,50,54
